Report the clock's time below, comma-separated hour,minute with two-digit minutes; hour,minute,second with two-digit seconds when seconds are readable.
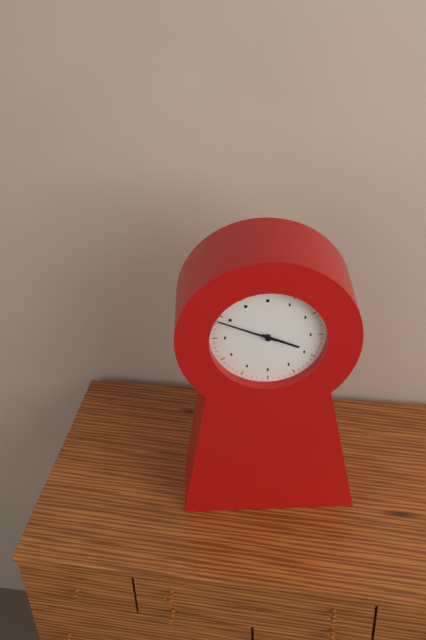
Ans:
3,49
